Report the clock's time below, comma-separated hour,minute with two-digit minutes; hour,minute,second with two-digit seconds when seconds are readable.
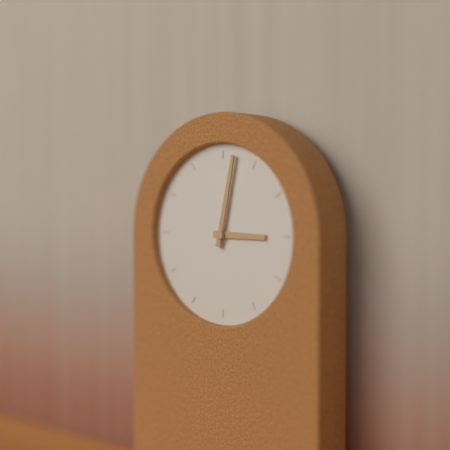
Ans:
3,02
